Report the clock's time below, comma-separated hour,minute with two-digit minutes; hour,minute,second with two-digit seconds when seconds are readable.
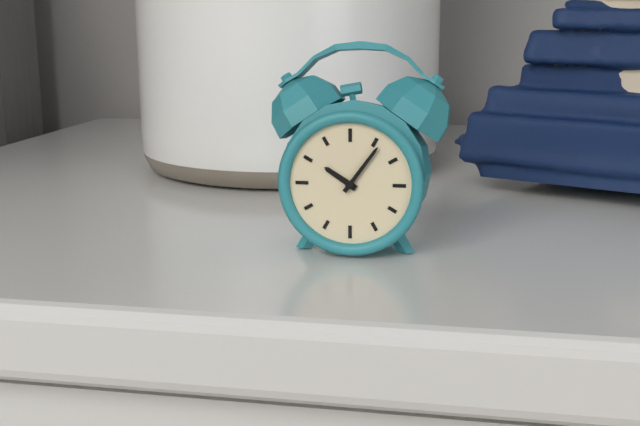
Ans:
10,06
